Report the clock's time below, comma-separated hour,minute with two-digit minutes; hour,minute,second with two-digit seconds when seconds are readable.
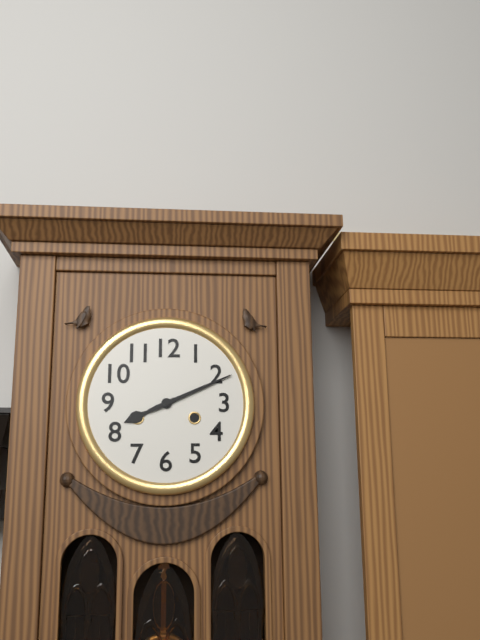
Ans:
8,11
